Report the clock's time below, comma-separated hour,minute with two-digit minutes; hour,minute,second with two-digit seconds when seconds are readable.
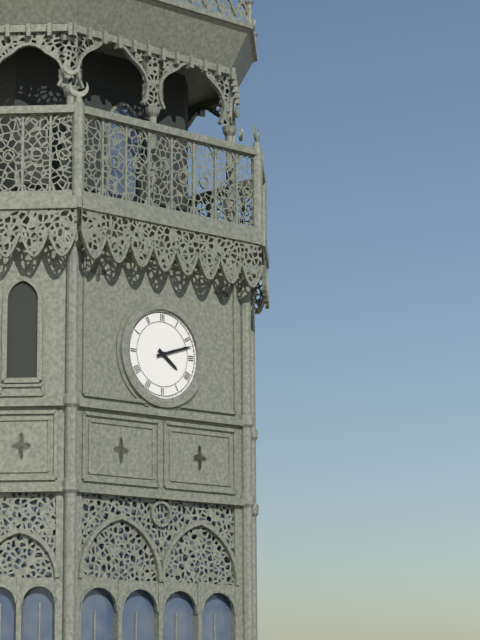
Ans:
4,12
